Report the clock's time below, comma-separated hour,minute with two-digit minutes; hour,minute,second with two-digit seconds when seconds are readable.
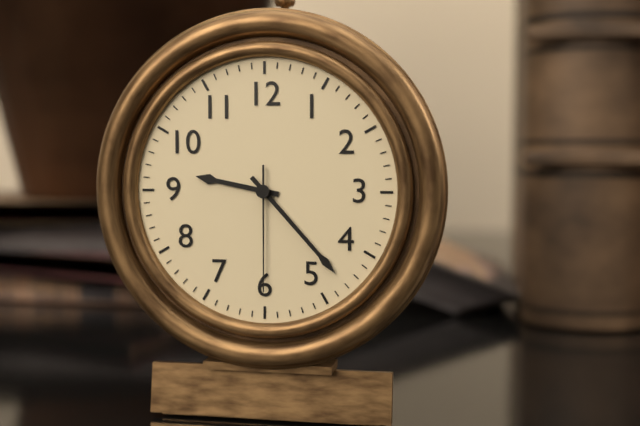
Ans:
9,23,30
